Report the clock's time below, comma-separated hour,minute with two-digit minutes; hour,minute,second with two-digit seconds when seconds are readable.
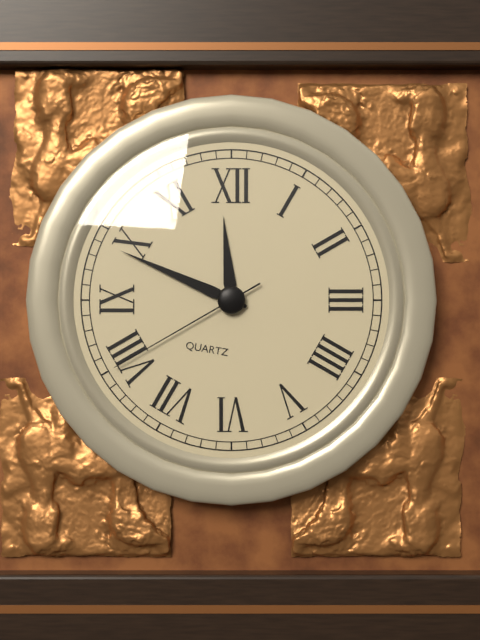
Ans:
11,49,40
